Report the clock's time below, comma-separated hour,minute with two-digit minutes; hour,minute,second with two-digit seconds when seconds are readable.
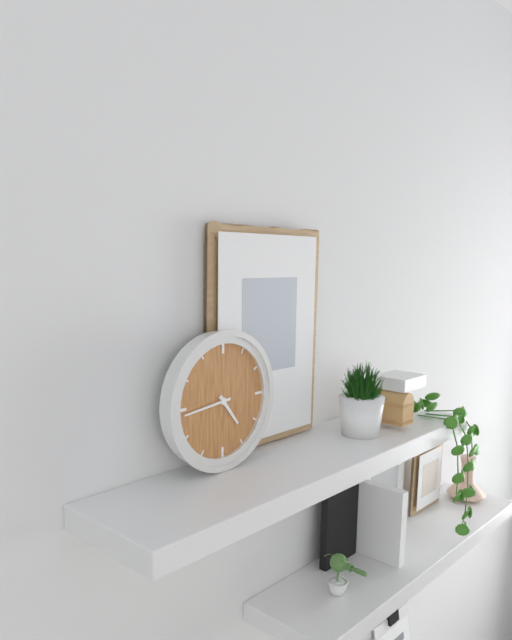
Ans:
4,44
